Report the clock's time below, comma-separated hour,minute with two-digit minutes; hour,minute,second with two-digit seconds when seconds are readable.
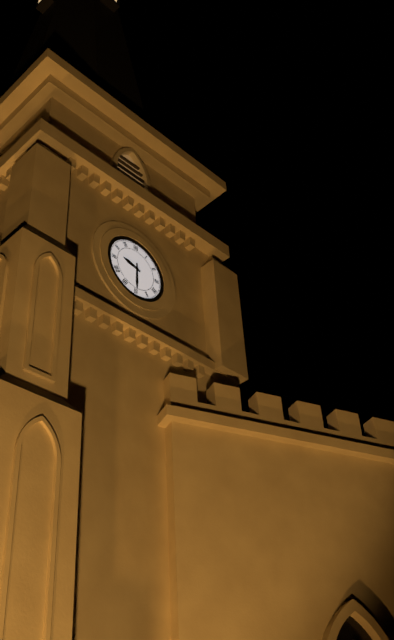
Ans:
9,30
